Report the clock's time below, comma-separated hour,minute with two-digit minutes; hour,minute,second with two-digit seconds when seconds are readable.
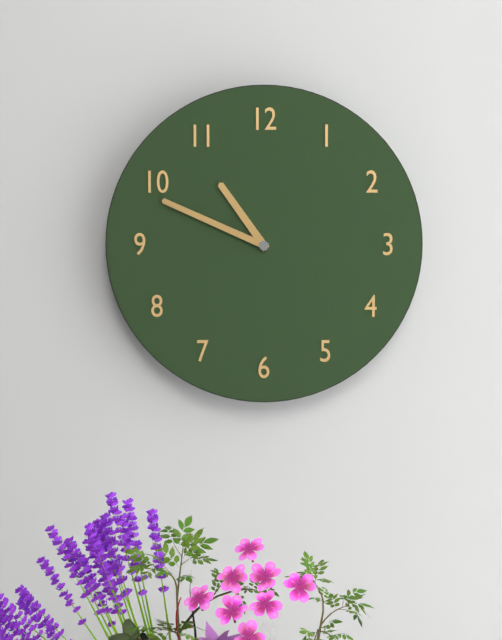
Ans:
10,49
